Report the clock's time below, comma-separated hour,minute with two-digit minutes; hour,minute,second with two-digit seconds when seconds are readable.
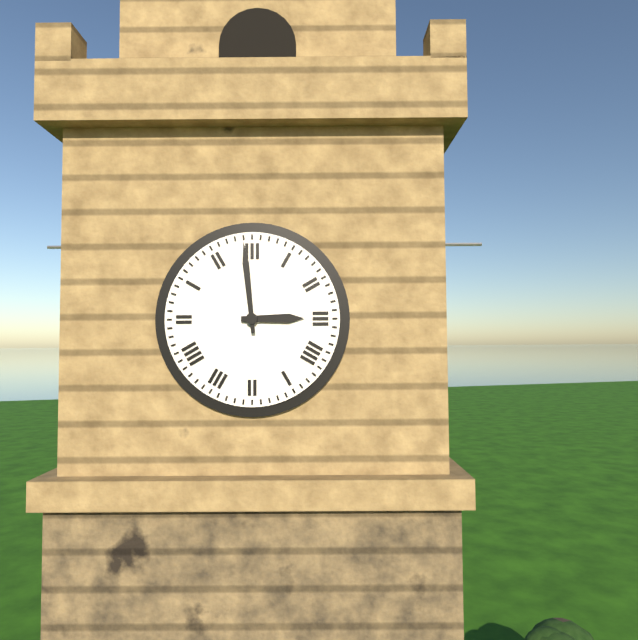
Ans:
2,59
